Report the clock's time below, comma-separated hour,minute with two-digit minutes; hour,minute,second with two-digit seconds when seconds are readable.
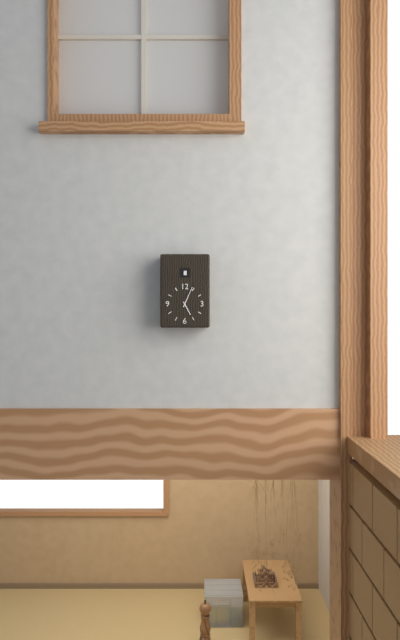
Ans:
5,04
